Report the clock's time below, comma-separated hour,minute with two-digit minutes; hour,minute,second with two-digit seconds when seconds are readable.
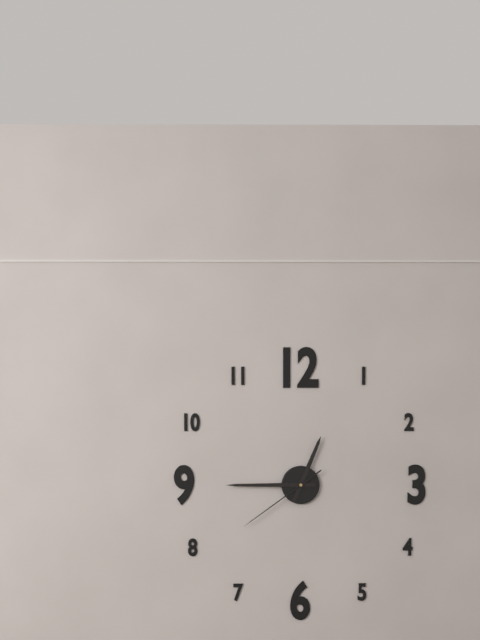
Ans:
12,45,39
